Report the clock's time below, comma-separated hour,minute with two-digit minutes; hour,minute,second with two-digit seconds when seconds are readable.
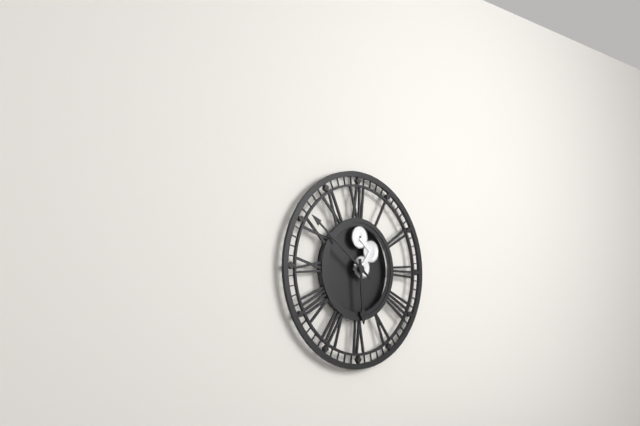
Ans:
5,51
